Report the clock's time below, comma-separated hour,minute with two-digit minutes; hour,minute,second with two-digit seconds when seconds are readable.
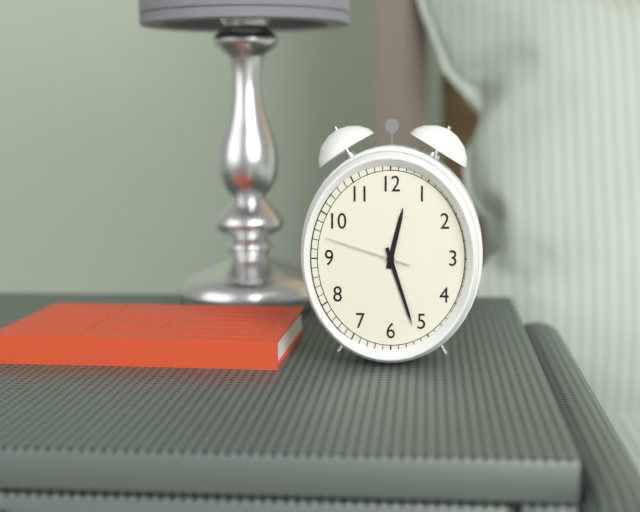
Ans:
12,27,48
